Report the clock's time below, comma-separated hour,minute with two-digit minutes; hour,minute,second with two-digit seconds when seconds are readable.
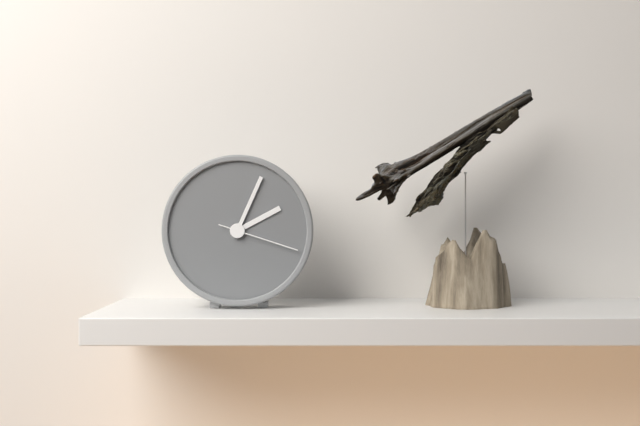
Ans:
2,04,18
